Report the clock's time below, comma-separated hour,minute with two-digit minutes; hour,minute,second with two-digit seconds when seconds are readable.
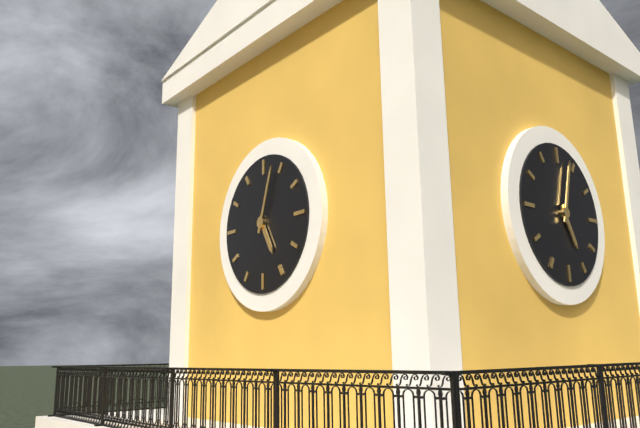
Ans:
5,03
